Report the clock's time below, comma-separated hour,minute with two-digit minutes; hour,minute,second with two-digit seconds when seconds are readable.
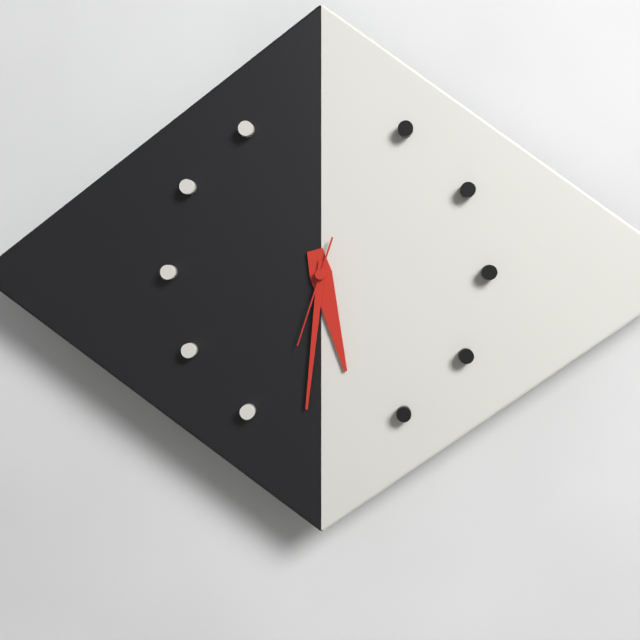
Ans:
5,31,33
